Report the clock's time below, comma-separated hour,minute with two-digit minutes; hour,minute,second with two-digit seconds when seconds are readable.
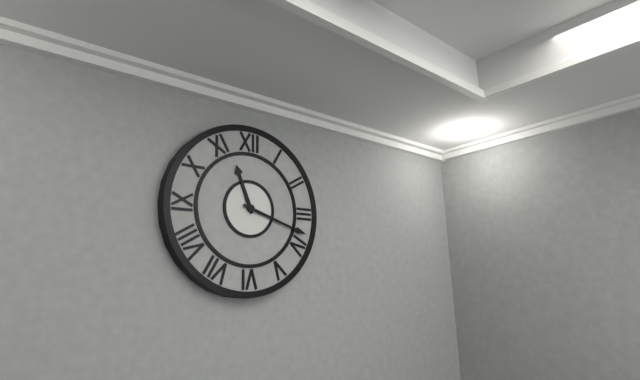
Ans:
11,18
